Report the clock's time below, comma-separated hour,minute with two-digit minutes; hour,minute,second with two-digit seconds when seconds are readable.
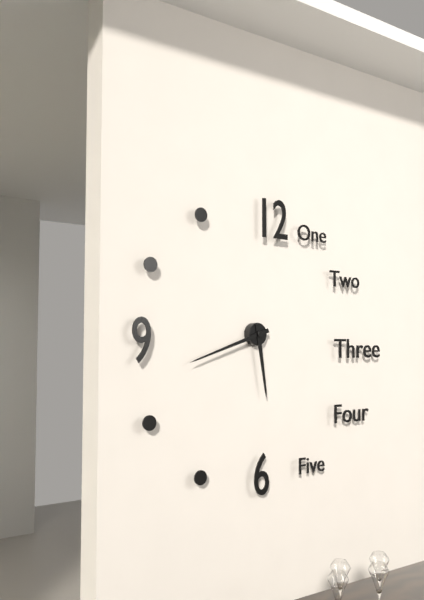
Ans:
5,42
